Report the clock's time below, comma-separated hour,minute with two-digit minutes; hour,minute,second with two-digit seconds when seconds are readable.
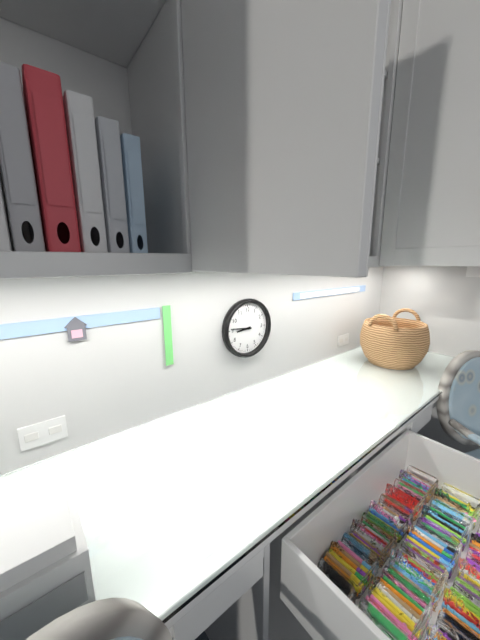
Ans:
8,46
